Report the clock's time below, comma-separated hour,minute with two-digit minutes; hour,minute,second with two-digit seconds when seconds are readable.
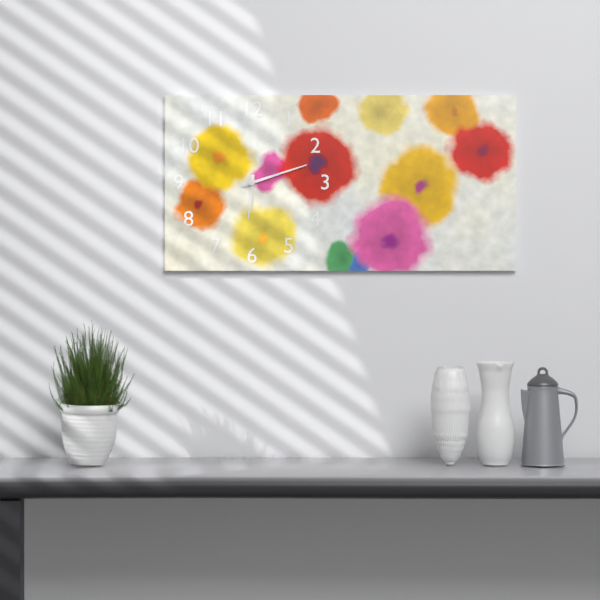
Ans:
6,12
